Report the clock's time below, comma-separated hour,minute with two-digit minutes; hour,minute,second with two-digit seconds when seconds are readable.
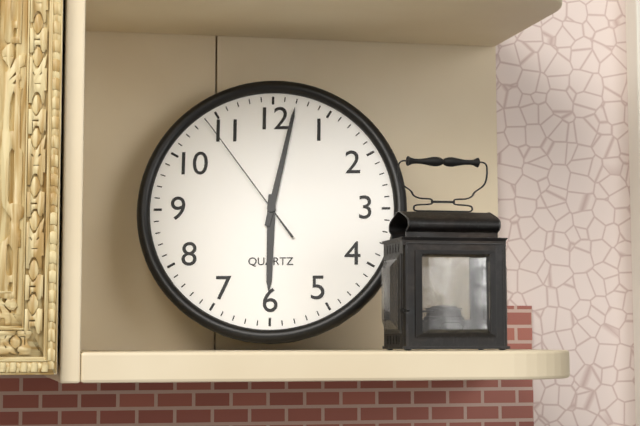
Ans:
6,02,54
